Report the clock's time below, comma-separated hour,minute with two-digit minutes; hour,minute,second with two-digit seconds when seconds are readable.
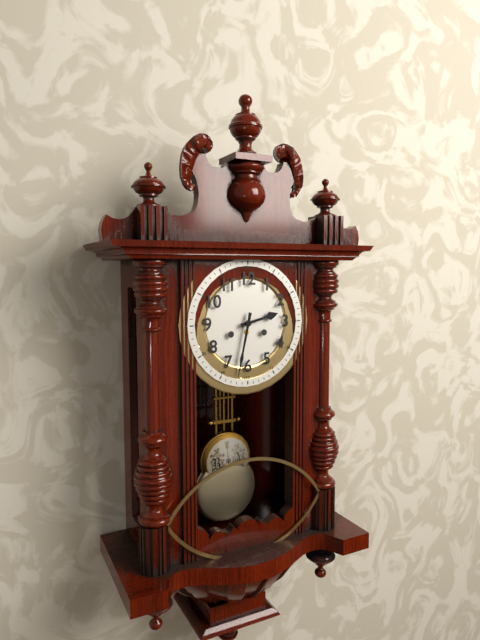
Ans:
2,32
